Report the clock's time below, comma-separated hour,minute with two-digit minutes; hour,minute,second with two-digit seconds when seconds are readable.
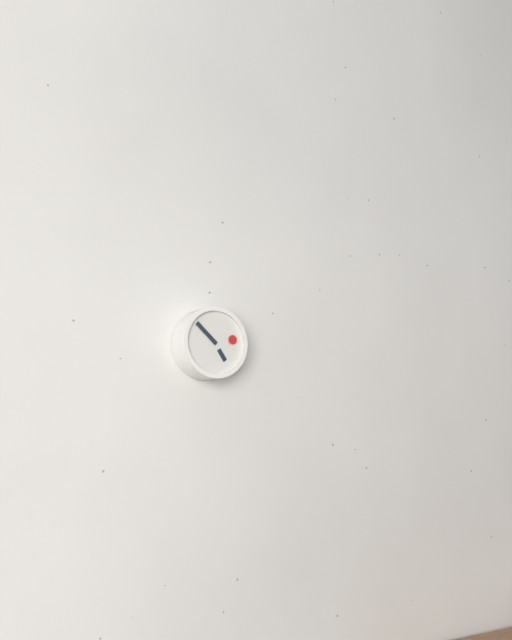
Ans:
4,52
